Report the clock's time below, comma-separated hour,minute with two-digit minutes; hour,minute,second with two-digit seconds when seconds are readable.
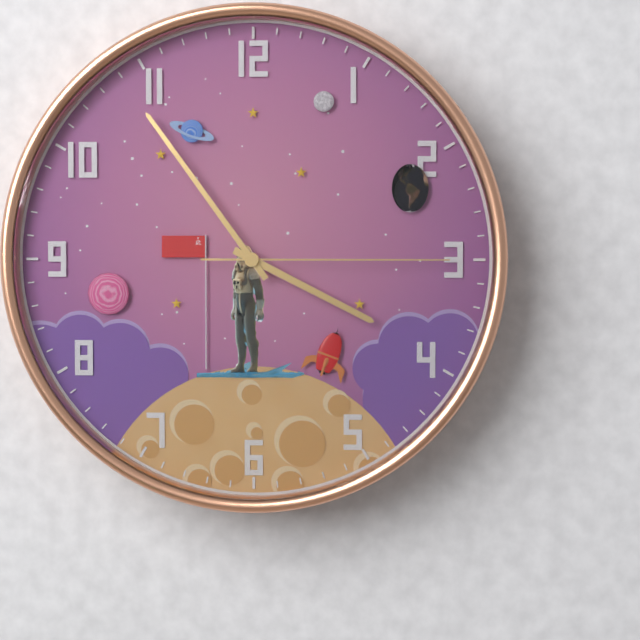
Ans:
3,54,15
